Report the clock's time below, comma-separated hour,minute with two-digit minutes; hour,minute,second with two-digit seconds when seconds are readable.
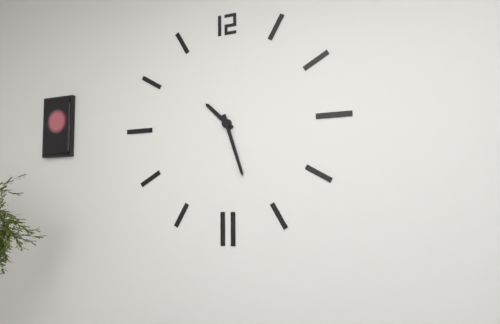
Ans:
10,27
